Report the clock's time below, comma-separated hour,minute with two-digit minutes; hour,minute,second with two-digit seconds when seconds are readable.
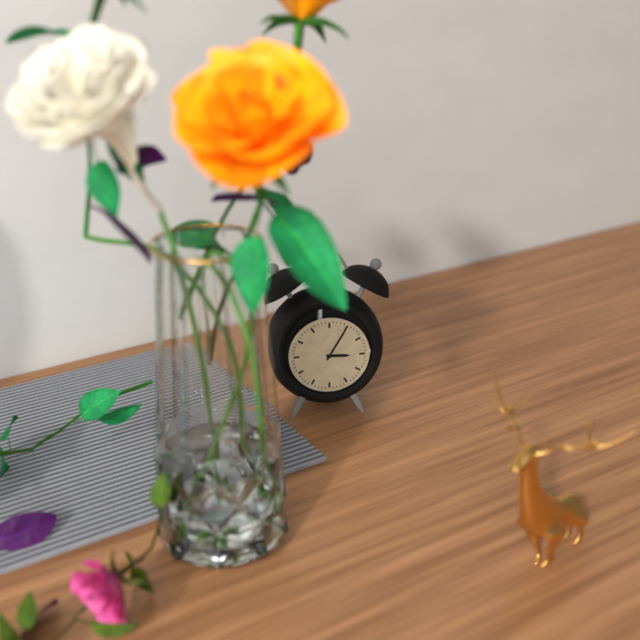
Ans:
3,05
